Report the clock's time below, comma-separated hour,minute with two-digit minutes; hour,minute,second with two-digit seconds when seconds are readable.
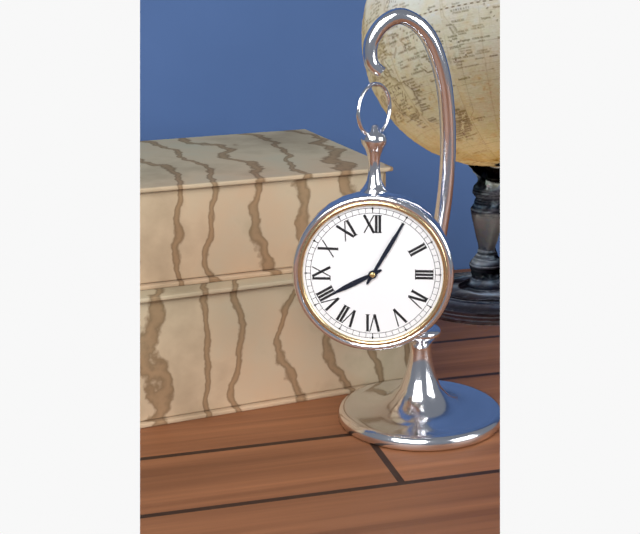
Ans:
8,05
